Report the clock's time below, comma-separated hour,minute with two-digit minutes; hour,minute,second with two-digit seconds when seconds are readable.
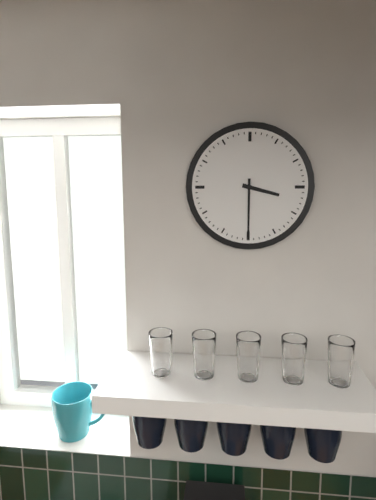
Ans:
3,30
